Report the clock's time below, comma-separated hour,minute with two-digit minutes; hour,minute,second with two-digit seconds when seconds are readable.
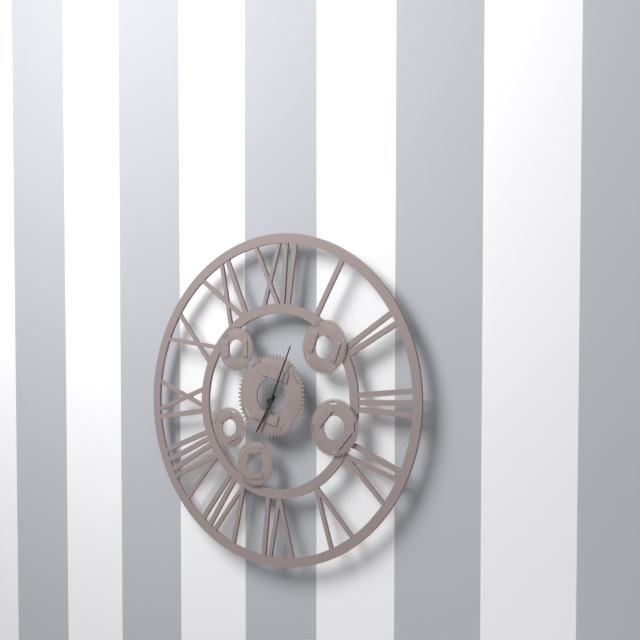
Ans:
7,04
